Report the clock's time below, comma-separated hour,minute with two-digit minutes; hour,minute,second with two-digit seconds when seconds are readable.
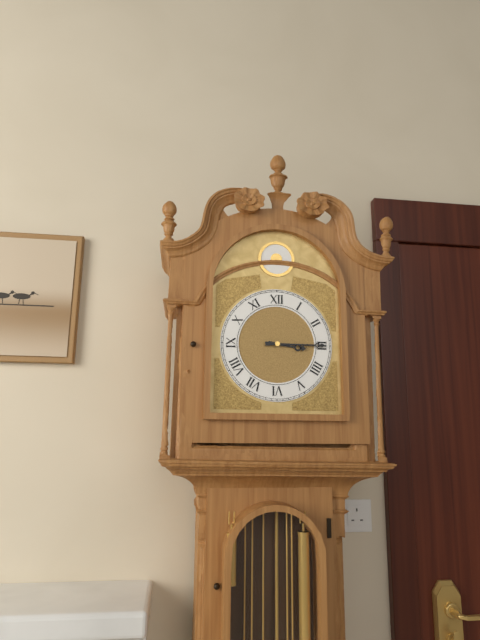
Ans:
3,15
